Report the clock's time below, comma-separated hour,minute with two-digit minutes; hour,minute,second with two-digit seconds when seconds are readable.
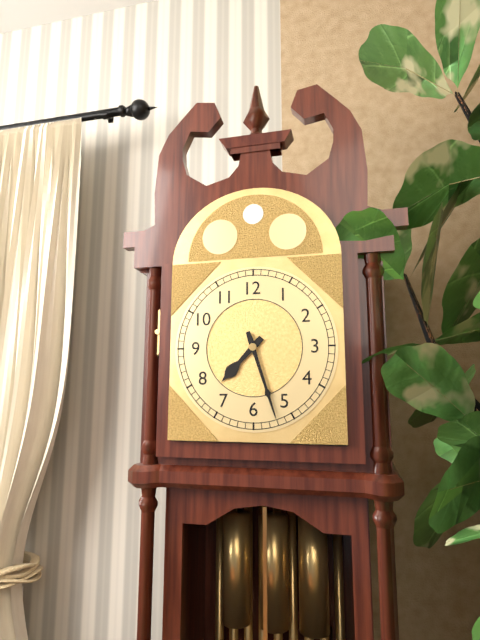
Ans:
7,27
